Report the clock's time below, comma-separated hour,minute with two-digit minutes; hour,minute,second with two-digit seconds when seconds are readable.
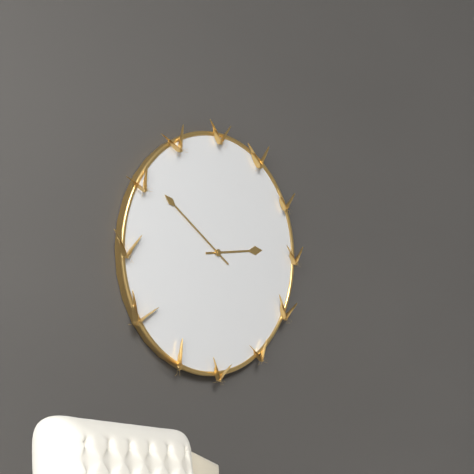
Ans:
2,51
